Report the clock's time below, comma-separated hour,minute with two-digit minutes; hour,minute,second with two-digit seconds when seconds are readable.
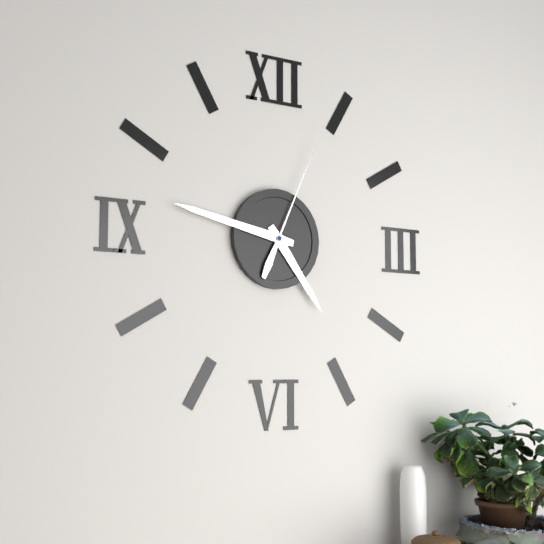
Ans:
4,47,04
